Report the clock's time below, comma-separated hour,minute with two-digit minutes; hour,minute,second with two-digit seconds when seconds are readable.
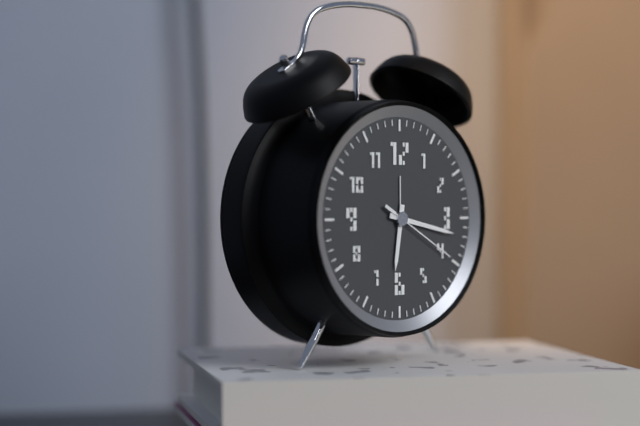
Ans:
6,17,20
